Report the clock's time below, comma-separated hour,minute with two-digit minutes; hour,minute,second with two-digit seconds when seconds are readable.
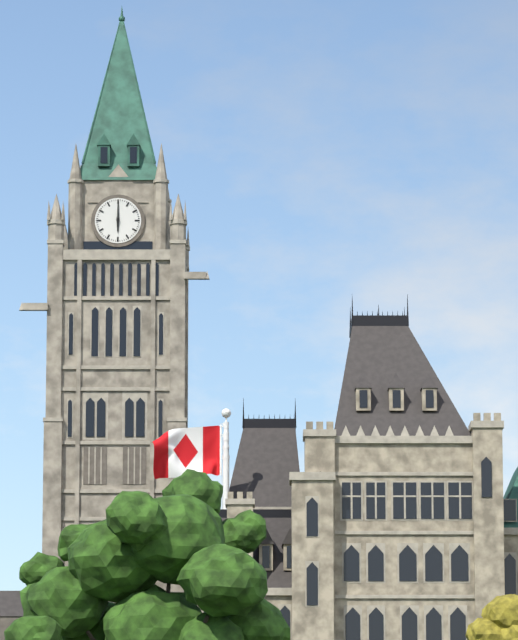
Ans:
6,00
